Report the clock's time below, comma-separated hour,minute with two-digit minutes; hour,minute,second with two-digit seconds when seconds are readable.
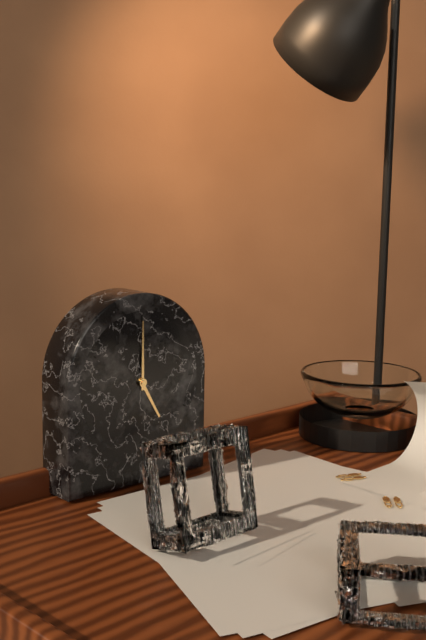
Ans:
5,00
